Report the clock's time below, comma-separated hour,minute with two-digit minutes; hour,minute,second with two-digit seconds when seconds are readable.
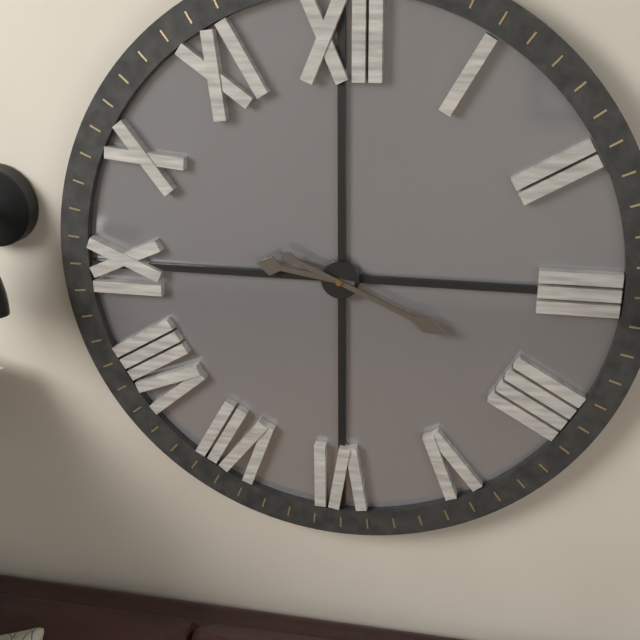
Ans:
9,19
